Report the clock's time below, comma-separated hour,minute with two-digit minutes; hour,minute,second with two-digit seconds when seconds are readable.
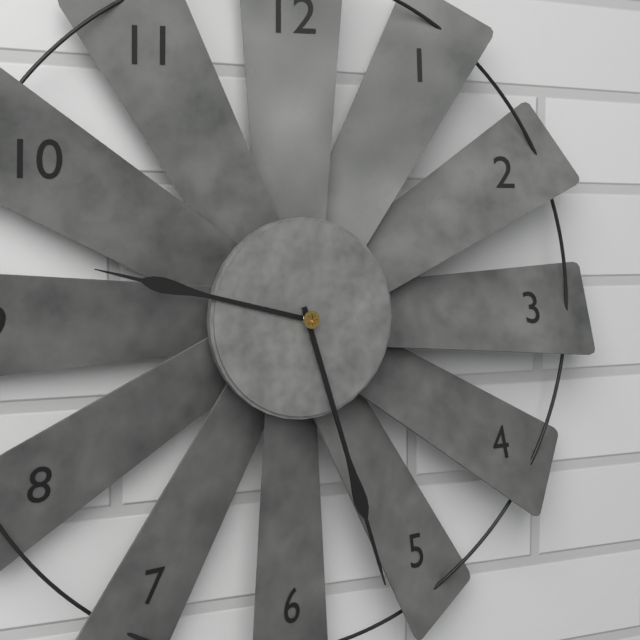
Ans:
9,27
